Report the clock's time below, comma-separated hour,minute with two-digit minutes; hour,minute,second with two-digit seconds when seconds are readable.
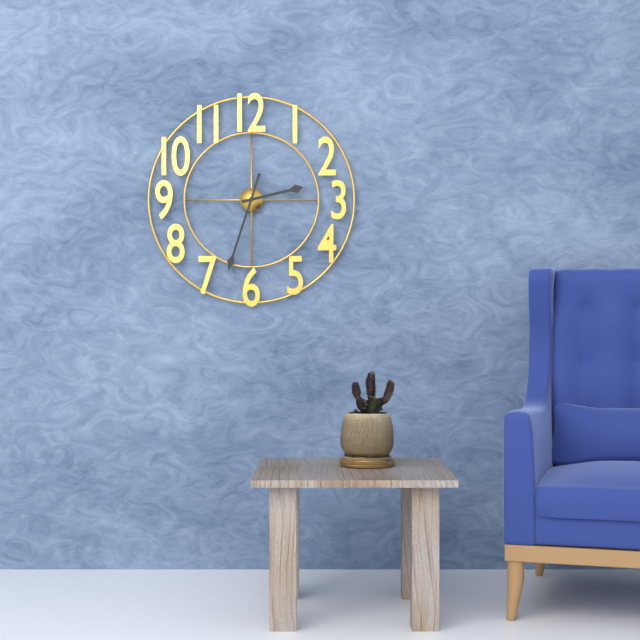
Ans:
2,33
